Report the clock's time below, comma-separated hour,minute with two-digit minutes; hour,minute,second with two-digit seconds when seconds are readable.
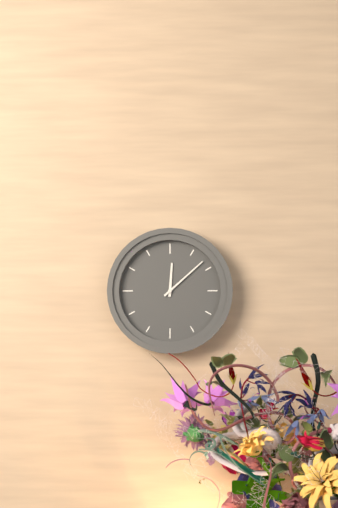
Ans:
12,08
